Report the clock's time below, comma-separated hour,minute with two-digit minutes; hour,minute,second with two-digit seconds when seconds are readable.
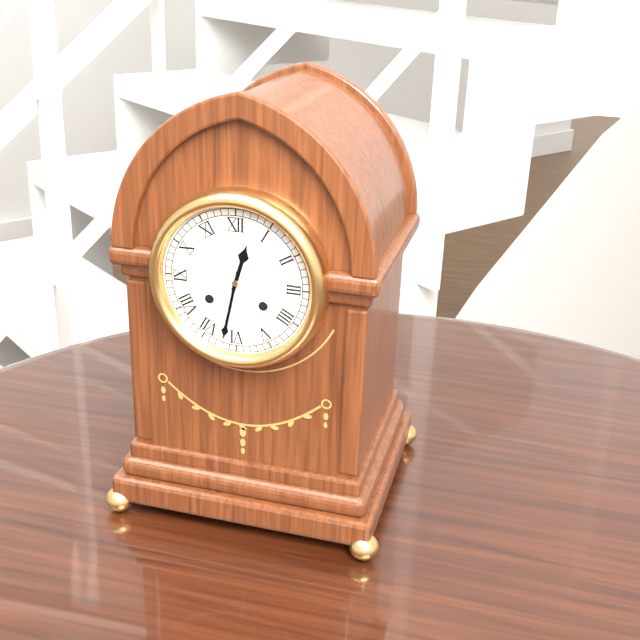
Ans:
12,32
